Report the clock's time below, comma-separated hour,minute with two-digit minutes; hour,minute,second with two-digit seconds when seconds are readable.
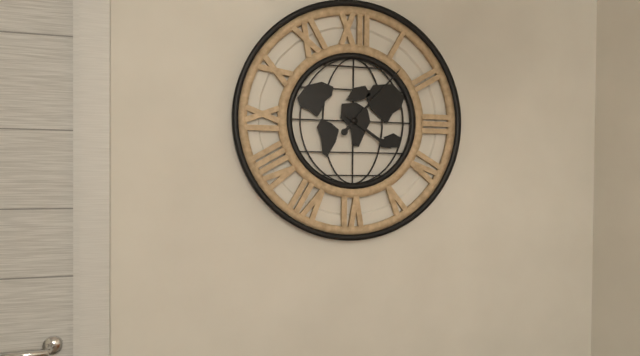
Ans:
4,07
